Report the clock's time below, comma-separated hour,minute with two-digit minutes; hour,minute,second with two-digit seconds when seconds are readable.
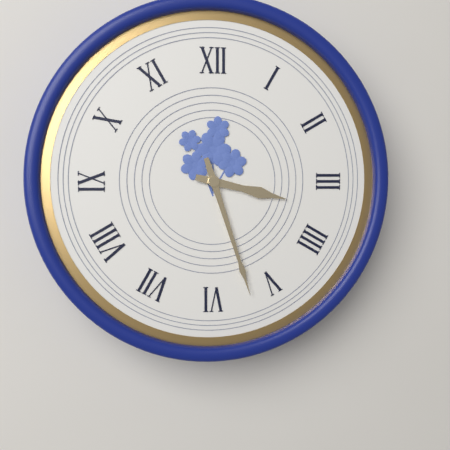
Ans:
3,27
